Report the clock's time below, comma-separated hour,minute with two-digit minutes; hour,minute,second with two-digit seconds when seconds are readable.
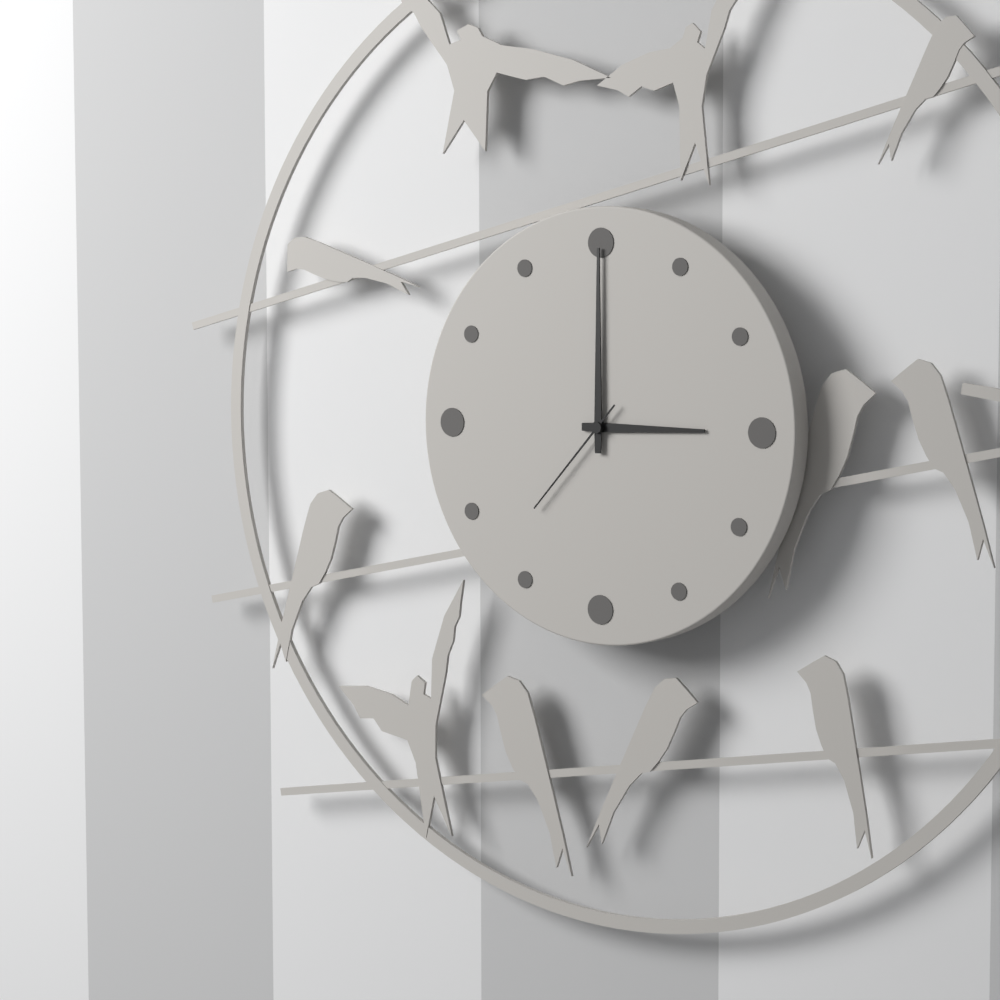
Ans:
3,00,37
